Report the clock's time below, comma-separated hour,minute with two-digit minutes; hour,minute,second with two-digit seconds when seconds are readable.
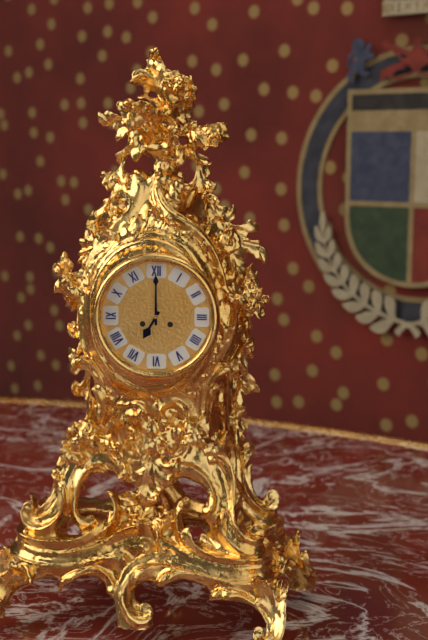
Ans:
7,00
